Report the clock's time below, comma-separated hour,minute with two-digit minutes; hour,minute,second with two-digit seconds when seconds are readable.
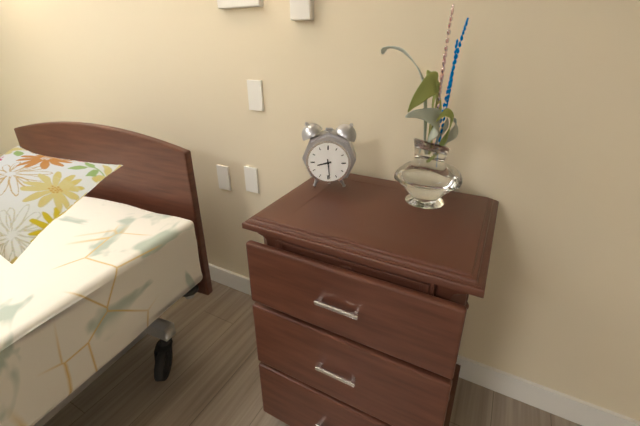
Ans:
8,29
